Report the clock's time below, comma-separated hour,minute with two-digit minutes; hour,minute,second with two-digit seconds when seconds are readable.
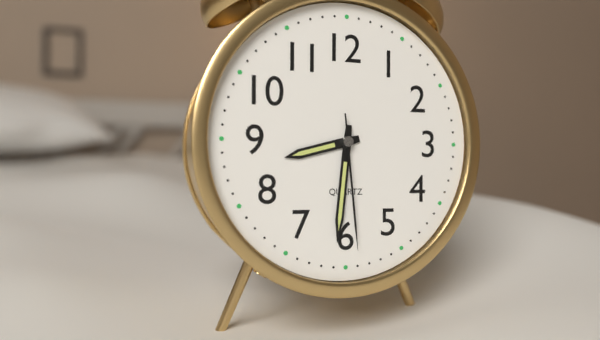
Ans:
8,31,29
